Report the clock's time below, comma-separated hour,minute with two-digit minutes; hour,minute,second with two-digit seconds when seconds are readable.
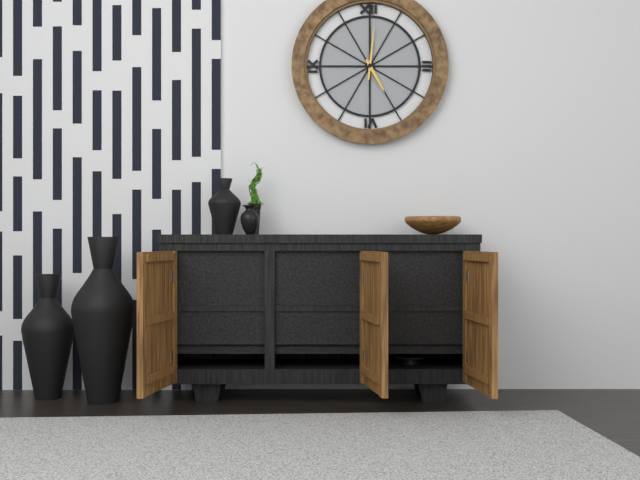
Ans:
5,01
